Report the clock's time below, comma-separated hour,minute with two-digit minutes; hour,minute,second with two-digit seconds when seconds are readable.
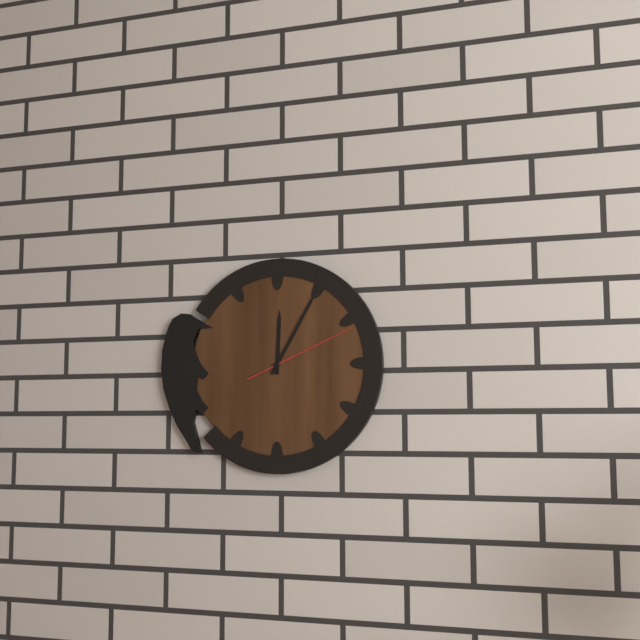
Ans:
12,05,11
